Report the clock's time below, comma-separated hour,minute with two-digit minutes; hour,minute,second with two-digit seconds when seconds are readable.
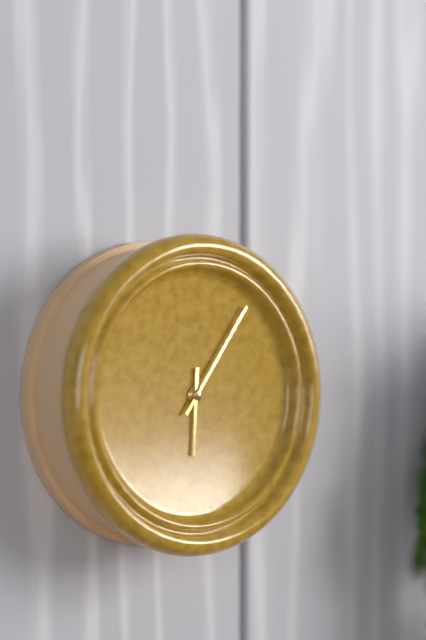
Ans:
6,06
